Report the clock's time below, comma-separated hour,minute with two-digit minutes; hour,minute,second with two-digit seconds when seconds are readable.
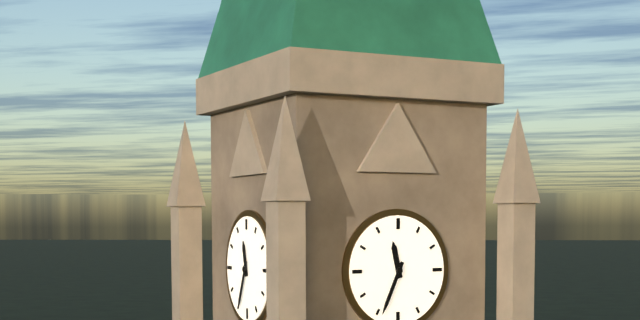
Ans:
11,34
